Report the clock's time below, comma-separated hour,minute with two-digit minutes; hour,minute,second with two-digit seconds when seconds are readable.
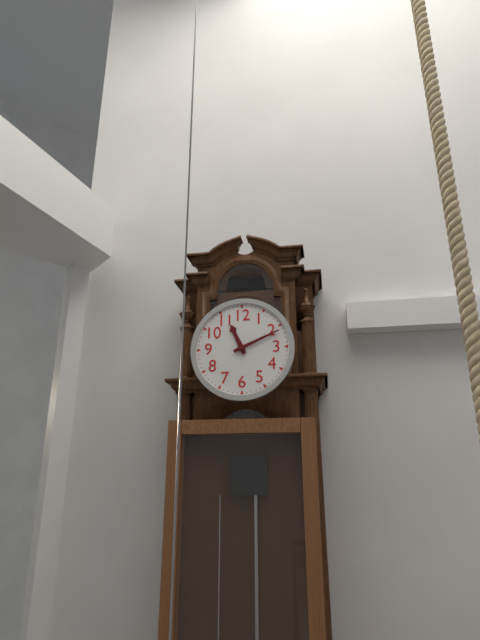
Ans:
11,11
